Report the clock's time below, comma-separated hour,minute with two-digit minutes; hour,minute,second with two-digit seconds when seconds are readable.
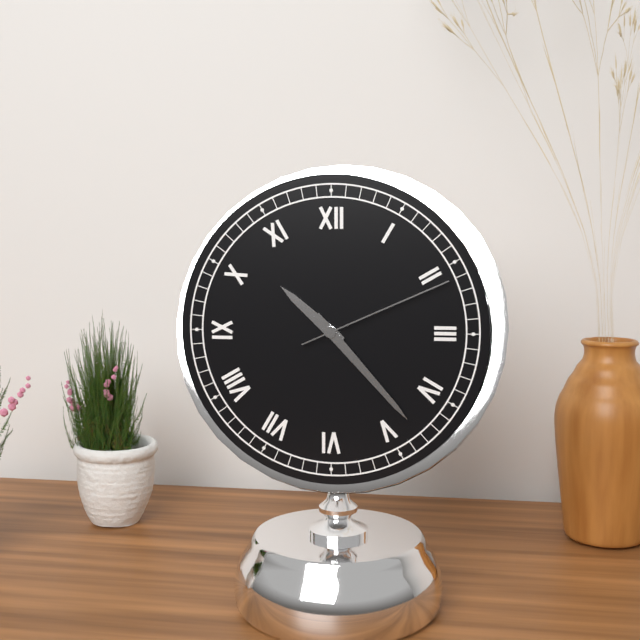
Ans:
10,23,11
